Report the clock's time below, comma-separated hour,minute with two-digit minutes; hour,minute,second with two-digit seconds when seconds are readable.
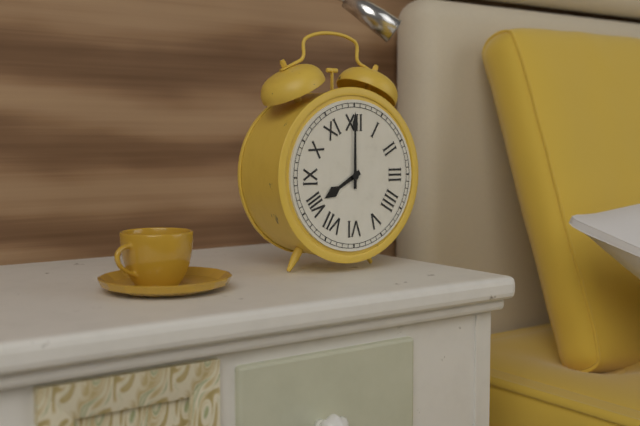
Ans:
8,00
